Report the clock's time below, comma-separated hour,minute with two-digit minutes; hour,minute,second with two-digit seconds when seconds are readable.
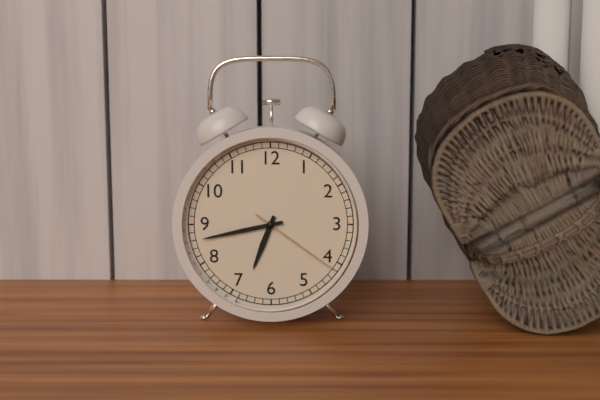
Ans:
6,43,21
